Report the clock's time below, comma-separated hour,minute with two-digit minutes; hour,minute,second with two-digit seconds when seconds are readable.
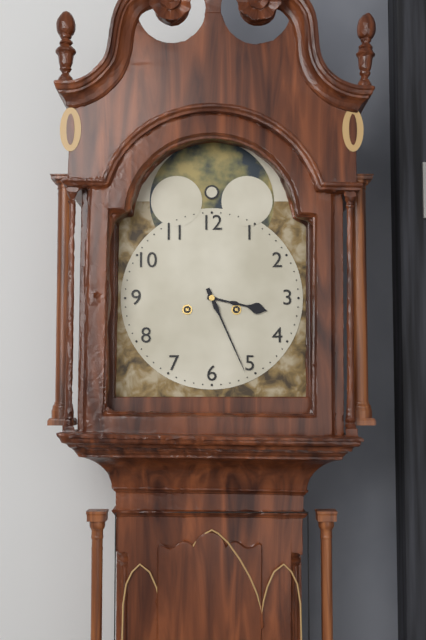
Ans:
3,26
